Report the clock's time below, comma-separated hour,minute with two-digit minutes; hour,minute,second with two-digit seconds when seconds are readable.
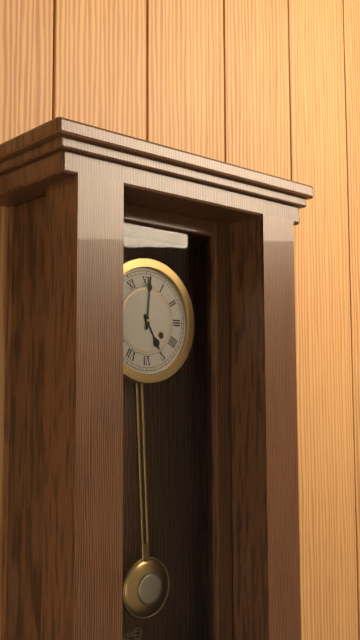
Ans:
5,01
